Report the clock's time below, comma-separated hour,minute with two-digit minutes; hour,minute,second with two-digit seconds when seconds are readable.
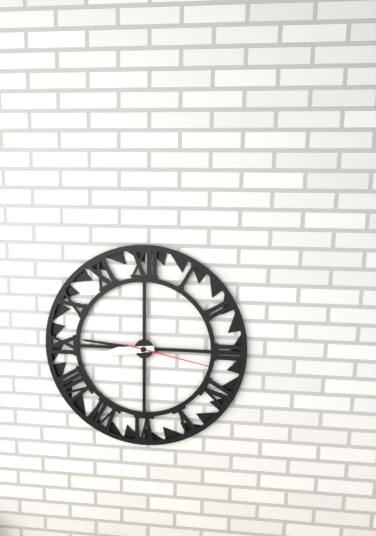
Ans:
8,46,17
